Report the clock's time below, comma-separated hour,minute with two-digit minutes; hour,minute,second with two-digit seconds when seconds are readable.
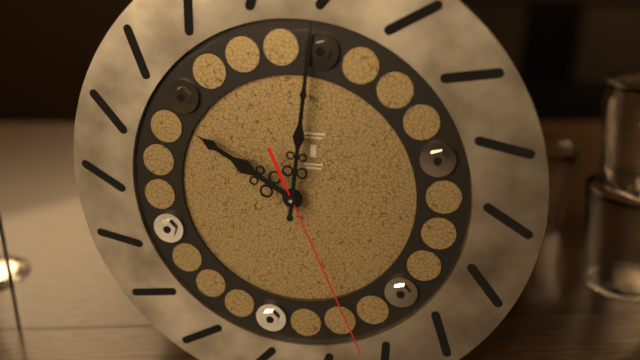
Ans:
10,01,26
